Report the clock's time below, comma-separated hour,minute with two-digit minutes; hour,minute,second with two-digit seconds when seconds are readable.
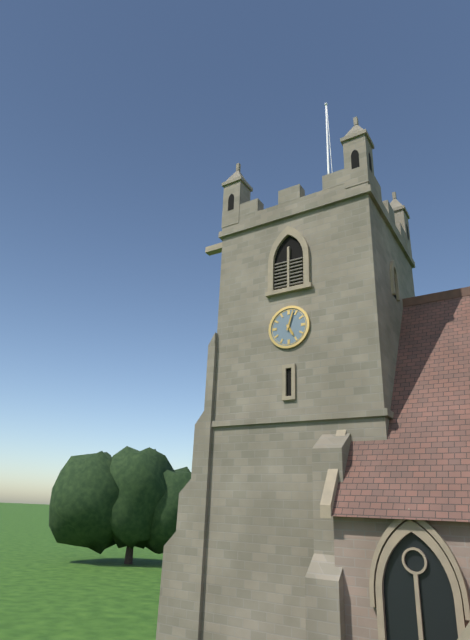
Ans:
5,03
